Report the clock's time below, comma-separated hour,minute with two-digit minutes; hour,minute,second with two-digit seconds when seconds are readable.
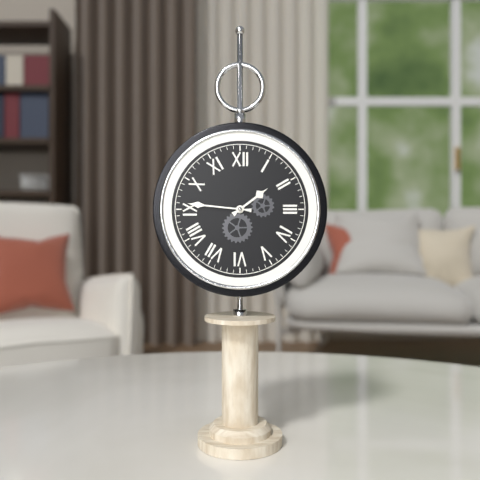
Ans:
1,46
